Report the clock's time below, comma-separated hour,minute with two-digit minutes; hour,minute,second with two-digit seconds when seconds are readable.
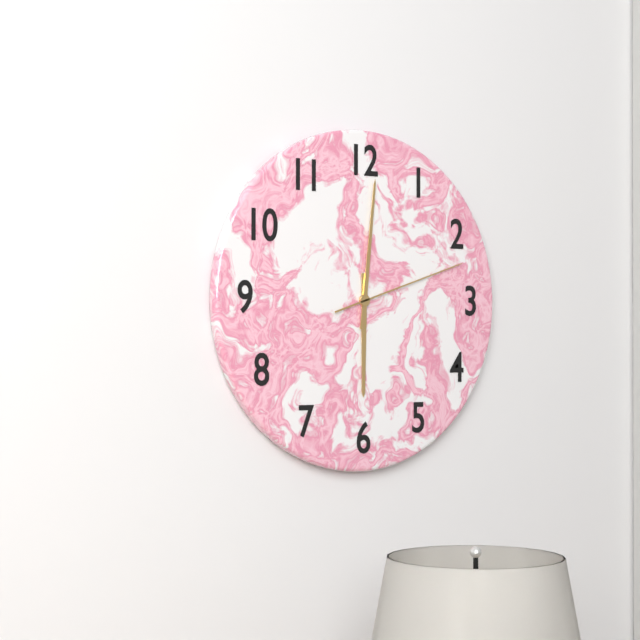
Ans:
6,01,12
